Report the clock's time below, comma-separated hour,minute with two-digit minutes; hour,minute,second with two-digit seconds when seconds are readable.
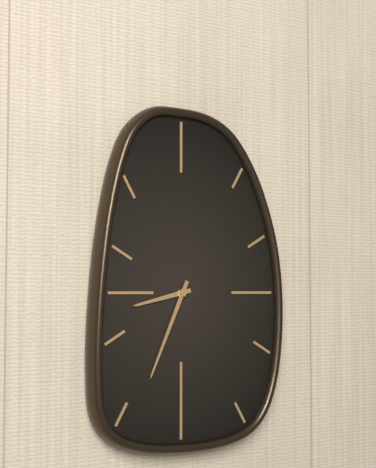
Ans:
8,34
